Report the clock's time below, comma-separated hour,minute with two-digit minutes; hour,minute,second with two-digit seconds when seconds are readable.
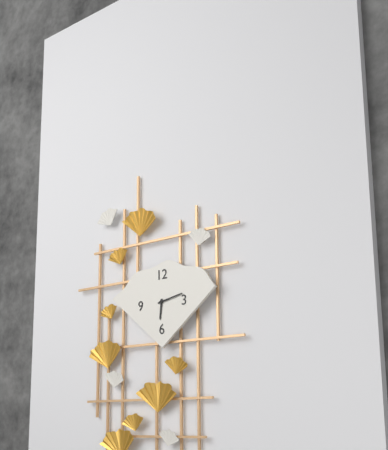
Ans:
6,13
